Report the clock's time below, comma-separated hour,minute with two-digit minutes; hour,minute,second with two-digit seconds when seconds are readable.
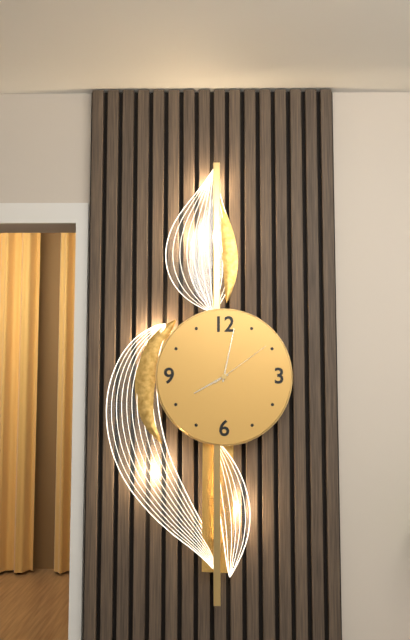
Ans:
8,02,09
